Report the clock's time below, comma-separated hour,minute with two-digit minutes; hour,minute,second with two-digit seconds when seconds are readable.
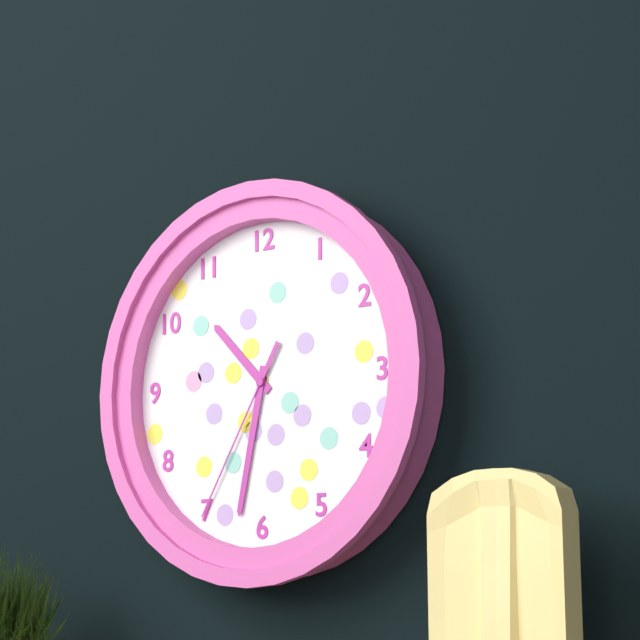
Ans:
10,32,35
